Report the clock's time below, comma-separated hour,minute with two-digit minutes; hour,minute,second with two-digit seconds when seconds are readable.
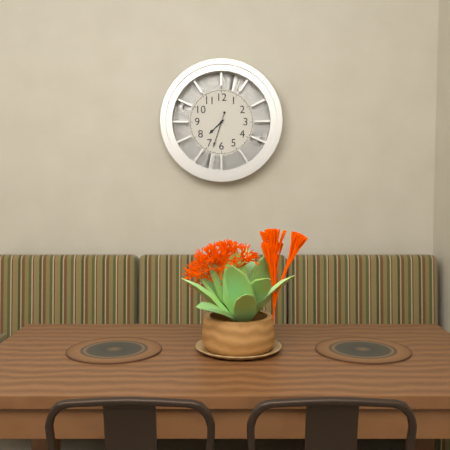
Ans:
7,33
